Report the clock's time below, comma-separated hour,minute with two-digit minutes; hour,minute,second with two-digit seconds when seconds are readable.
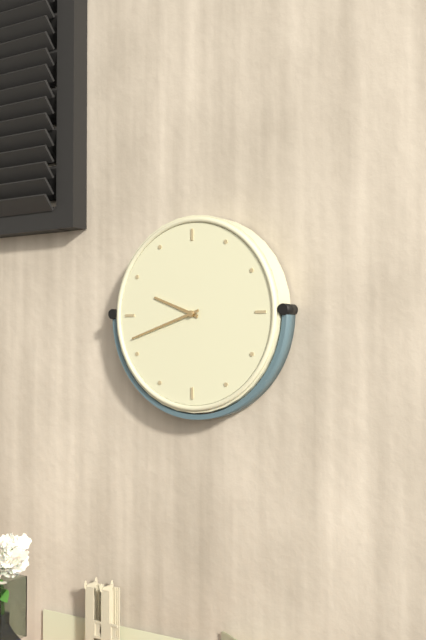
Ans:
9,42
